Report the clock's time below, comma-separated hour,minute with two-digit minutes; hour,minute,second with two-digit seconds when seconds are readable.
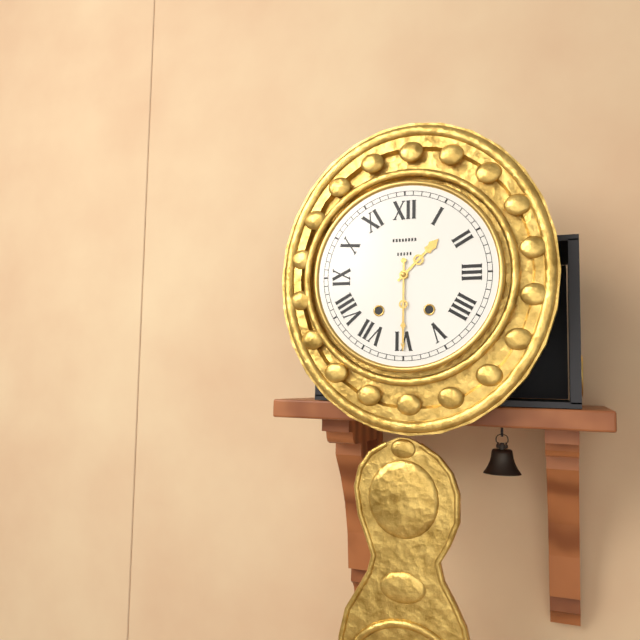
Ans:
1,30
